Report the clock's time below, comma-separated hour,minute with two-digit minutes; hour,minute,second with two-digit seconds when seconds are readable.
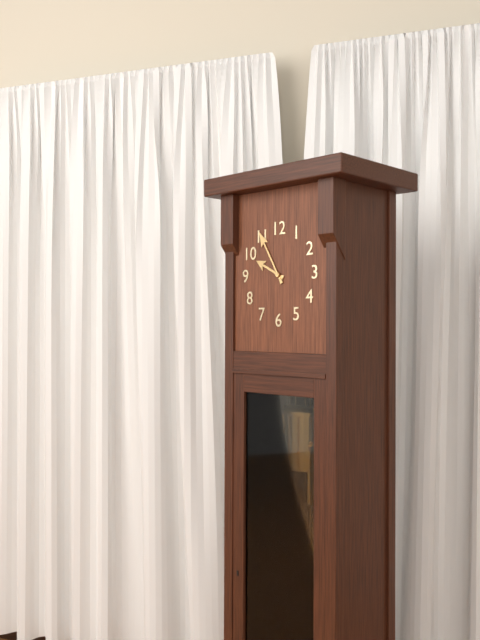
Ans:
9,55
